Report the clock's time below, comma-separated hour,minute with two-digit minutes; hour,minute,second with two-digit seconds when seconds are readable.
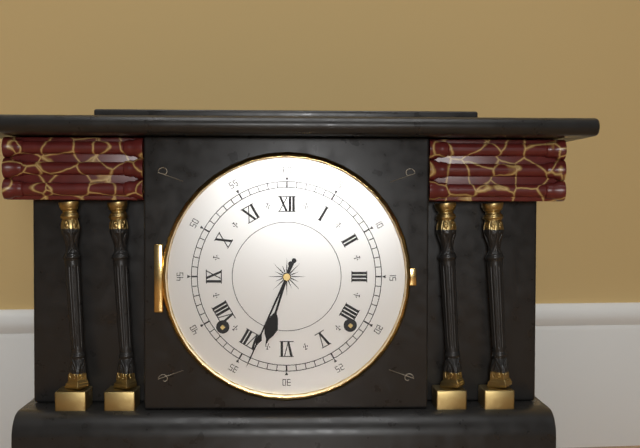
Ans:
6,34
